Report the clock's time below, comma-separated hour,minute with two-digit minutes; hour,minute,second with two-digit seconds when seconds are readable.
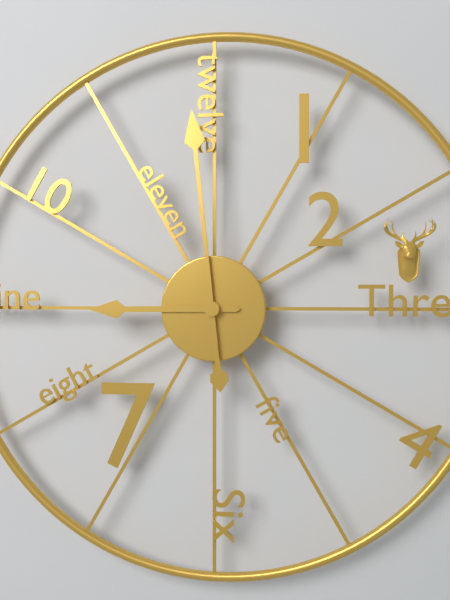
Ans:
8,59
